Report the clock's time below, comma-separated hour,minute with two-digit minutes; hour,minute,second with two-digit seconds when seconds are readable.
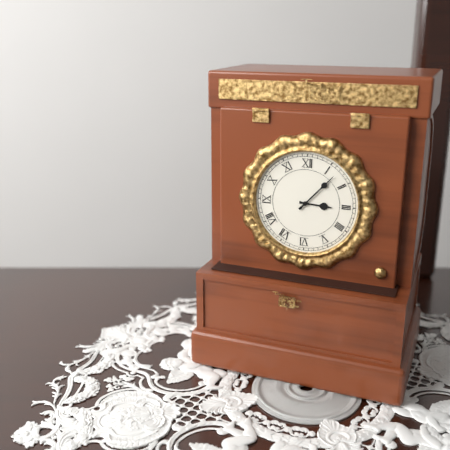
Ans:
3,07
